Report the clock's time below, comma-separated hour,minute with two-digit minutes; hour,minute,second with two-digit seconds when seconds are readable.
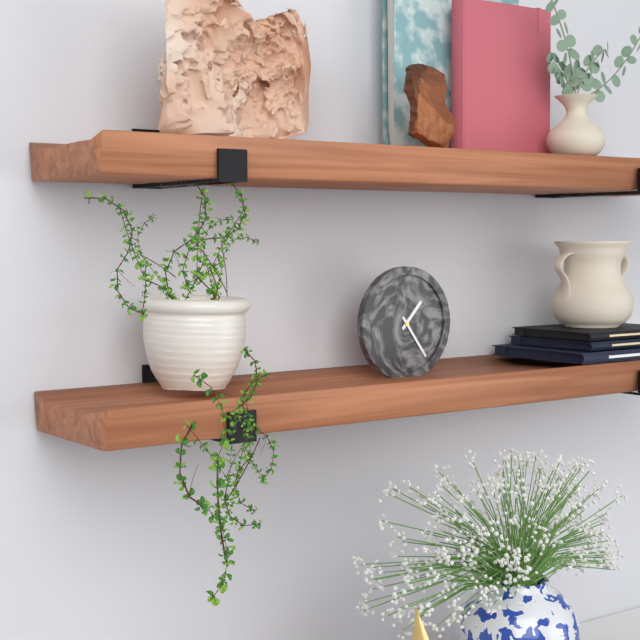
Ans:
1,24
